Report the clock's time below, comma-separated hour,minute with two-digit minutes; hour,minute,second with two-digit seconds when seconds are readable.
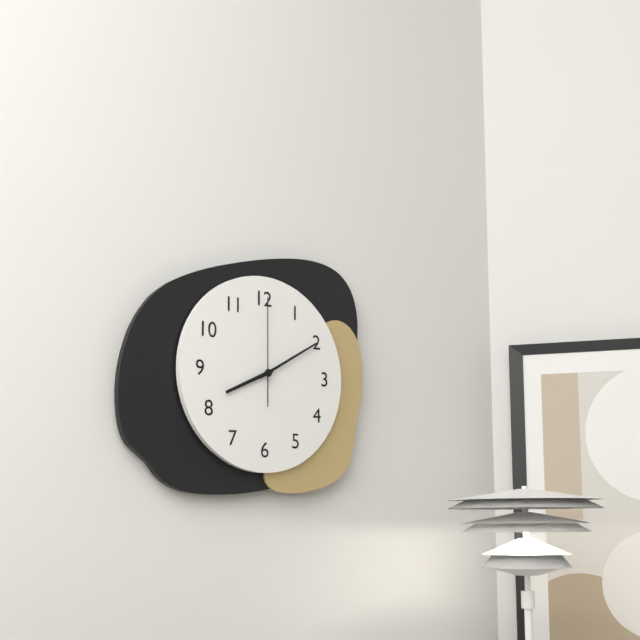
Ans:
8,10,00
